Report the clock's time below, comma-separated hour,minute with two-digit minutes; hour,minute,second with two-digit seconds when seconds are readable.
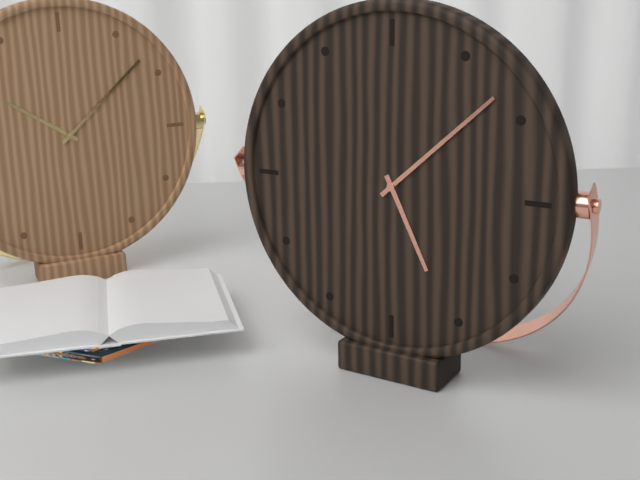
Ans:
5,08
